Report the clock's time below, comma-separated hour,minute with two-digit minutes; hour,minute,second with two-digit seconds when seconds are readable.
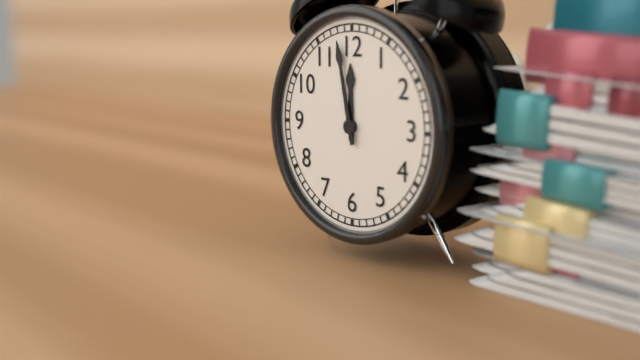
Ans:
11,58
